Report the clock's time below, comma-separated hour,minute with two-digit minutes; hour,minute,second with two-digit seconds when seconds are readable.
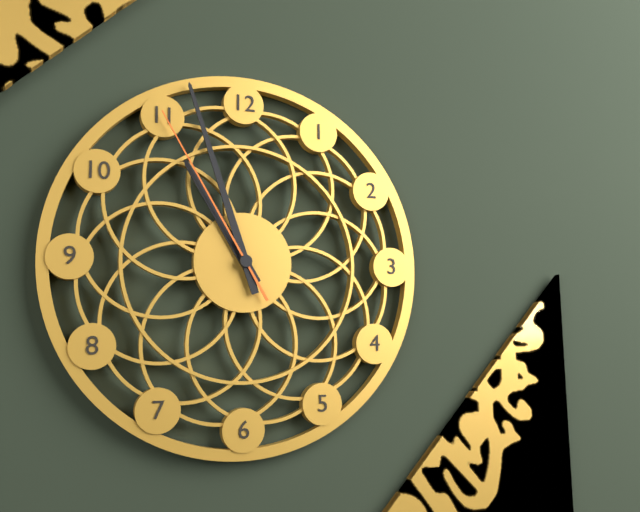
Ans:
10,57,55
